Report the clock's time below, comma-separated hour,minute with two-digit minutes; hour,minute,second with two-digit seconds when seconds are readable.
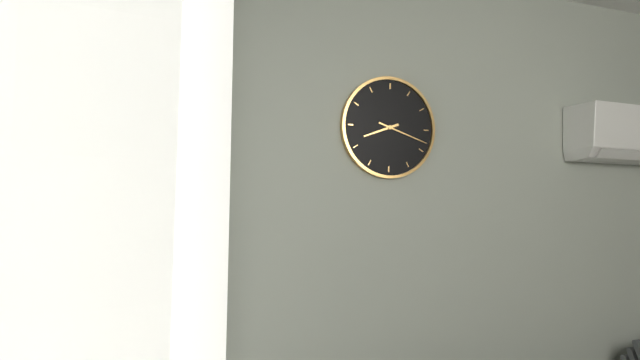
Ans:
8,18
